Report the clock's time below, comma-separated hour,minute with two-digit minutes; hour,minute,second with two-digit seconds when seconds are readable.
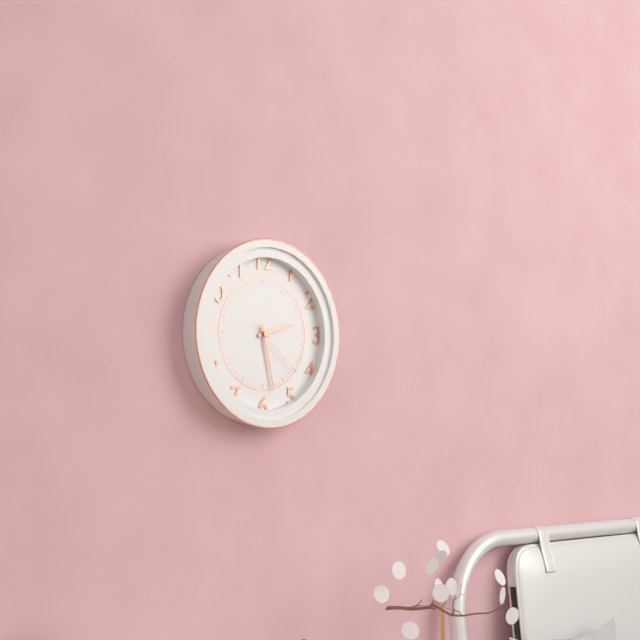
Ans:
2,28,22
